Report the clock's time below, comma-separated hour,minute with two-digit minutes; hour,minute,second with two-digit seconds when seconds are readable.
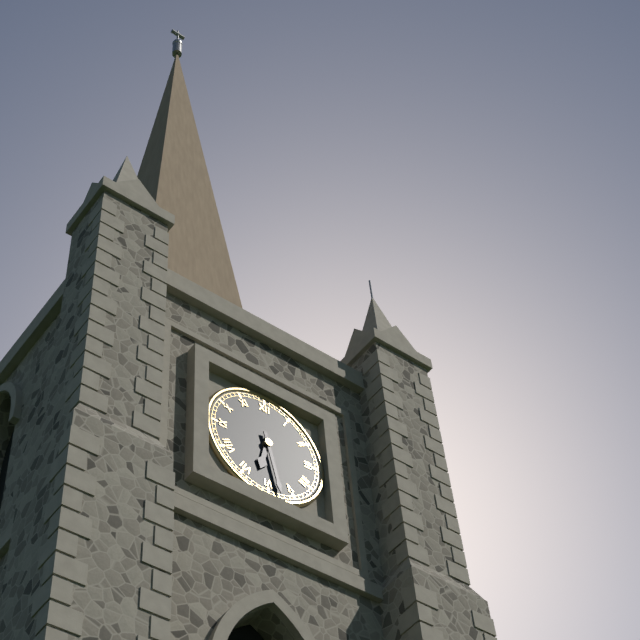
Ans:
6,28
